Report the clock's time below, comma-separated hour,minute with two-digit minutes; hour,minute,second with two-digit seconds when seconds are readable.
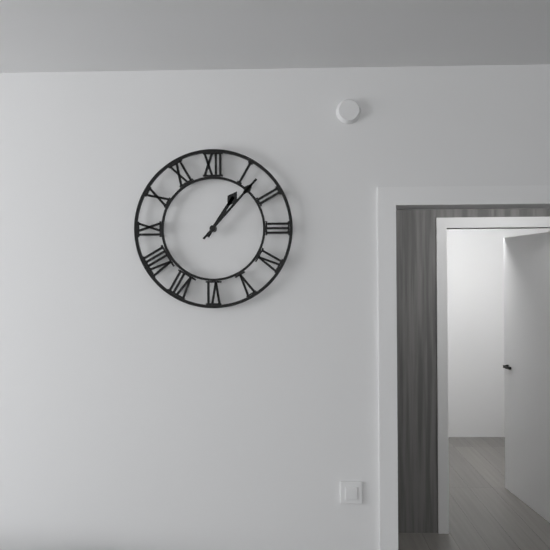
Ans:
1,07
